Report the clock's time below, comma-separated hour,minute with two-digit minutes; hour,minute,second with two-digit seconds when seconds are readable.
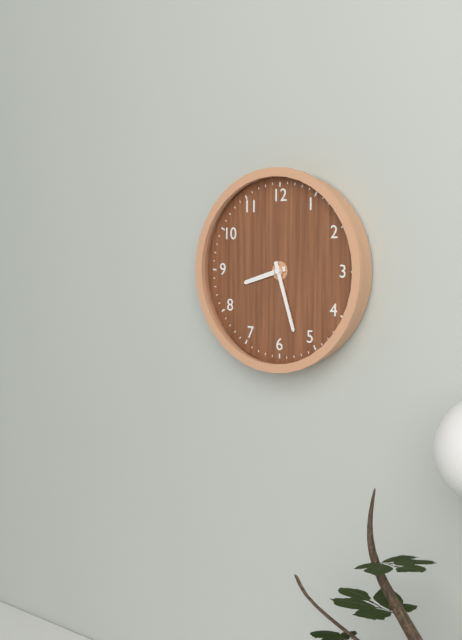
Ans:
8,27
